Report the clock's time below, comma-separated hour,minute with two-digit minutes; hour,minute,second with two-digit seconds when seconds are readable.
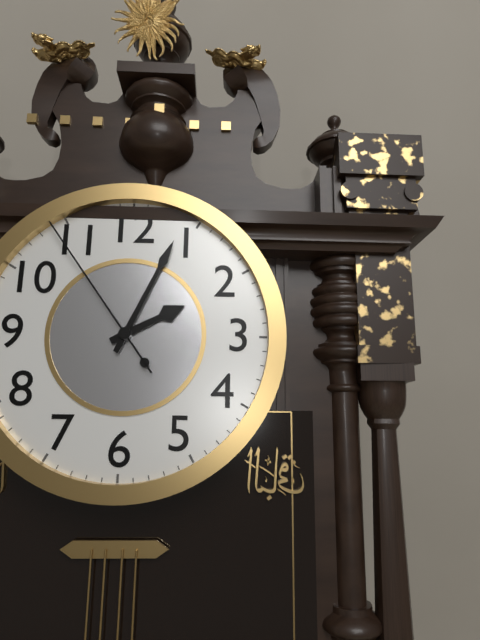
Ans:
2,04,54
